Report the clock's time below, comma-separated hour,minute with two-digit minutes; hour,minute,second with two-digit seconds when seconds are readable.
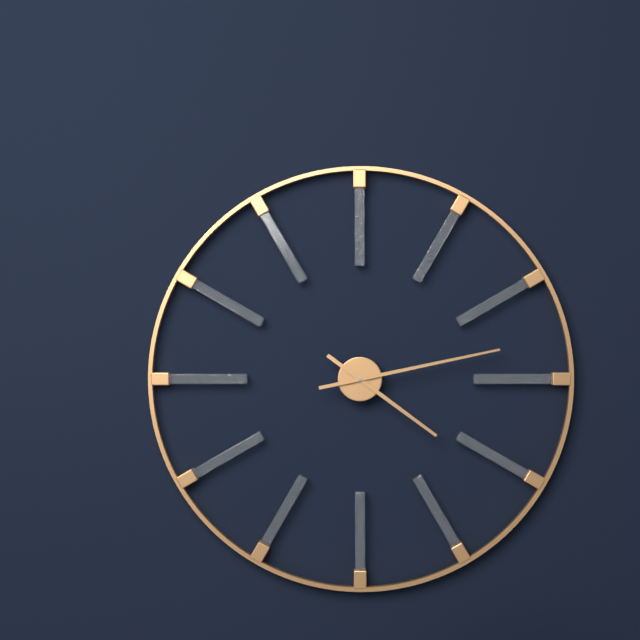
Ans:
4,13
